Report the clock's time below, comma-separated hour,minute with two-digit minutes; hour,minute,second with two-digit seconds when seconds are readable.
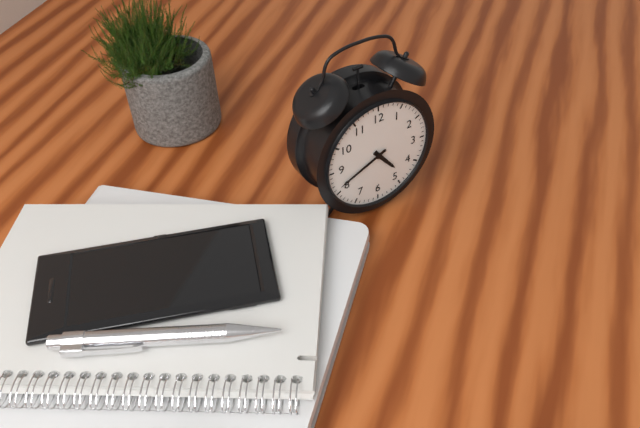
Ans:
4,41
